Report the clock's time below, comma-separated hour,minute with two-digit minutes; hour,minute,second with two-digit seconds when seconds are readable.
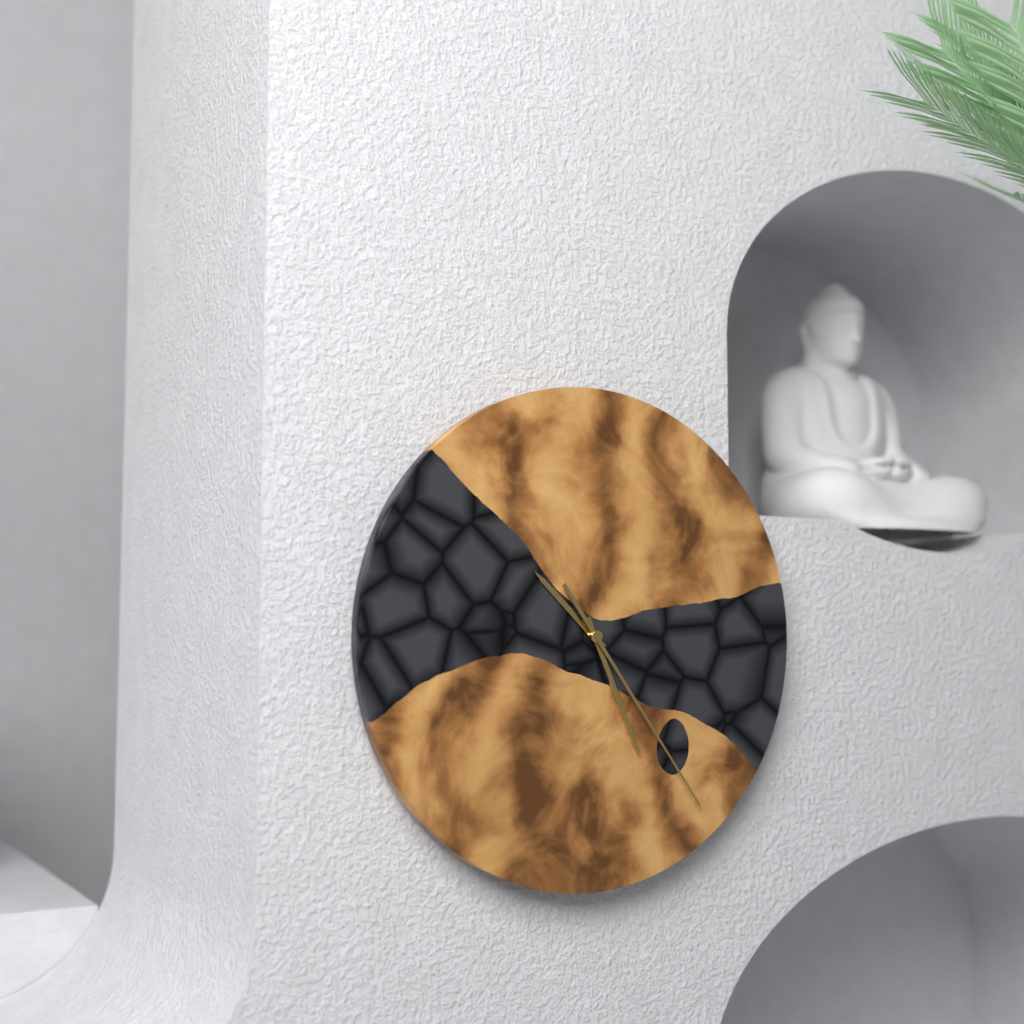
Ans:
10,26,24
